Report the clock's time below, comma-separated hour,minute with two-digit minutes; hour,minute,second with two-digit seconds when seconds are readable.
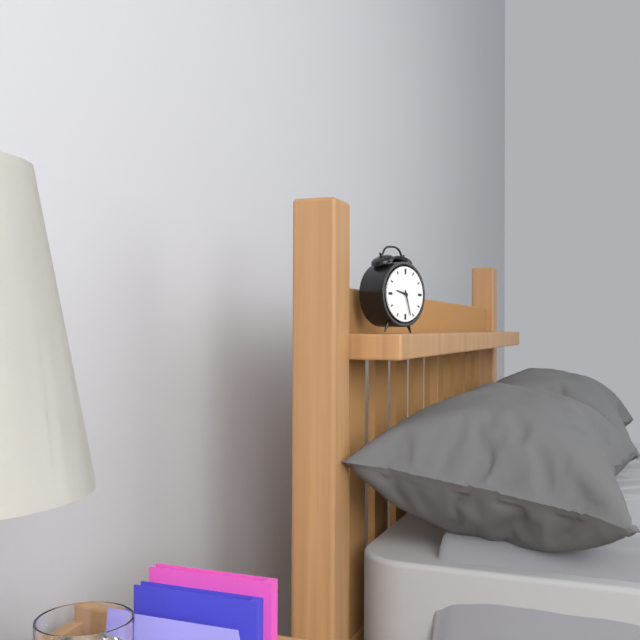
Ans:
9,27
